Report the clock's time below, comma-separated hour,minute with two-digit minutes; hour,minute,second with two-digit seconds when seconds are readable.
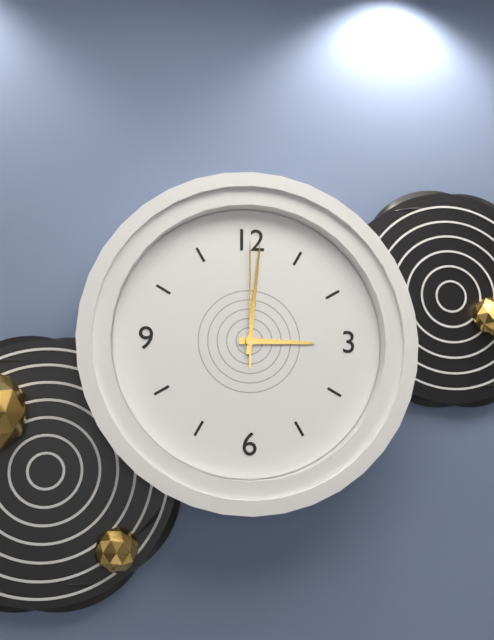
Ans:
3,01,00
